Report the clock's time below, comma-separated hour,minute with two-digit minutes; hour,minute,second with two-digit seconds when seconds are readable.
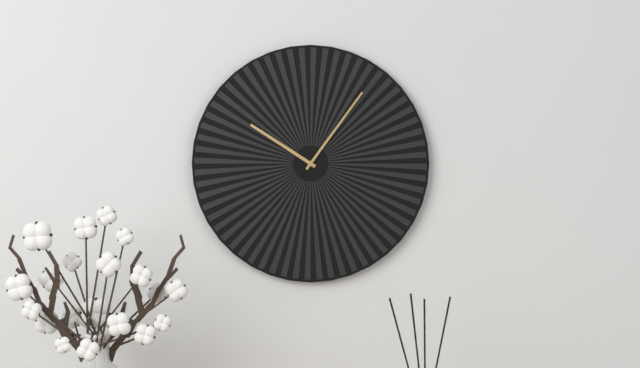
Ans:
10,06
